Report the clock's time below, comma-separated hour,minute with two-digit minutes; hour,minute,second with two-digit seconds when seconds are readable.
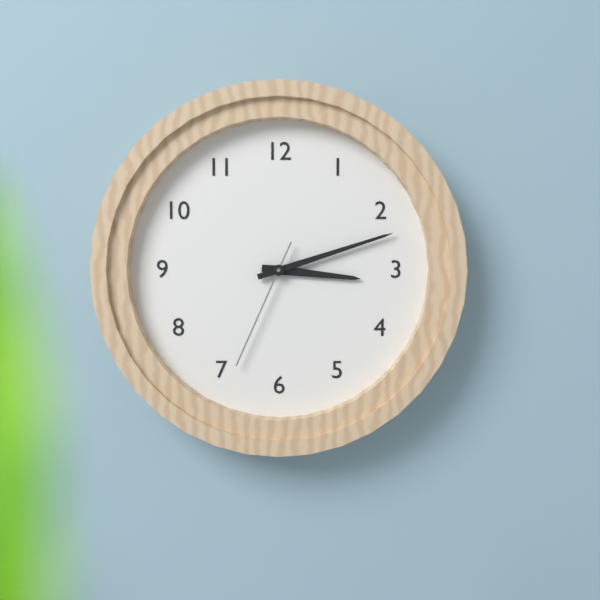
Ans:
3,12,34
